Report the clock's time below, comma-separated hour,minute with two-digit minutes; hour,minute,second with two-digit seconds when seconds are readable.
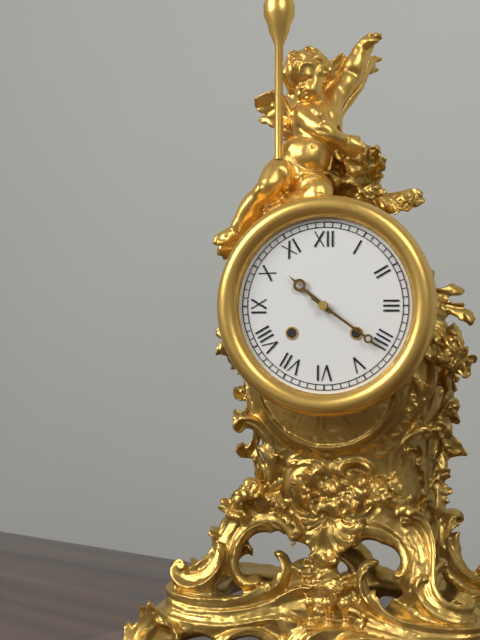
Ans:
10,21
